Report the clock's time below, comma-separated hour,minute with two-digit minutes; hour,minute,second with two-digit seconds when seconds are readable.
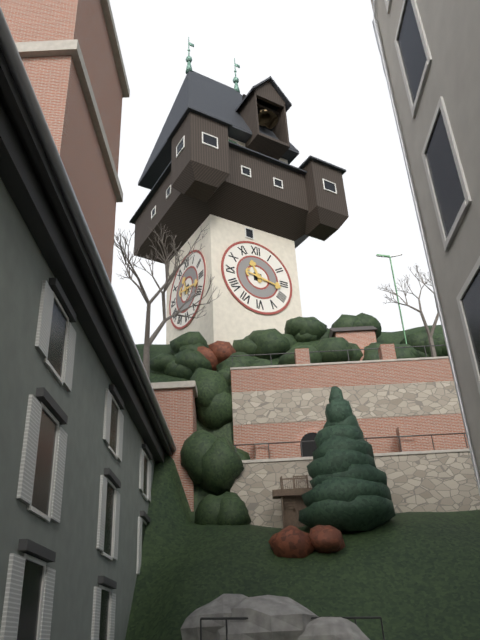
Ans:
11,17
